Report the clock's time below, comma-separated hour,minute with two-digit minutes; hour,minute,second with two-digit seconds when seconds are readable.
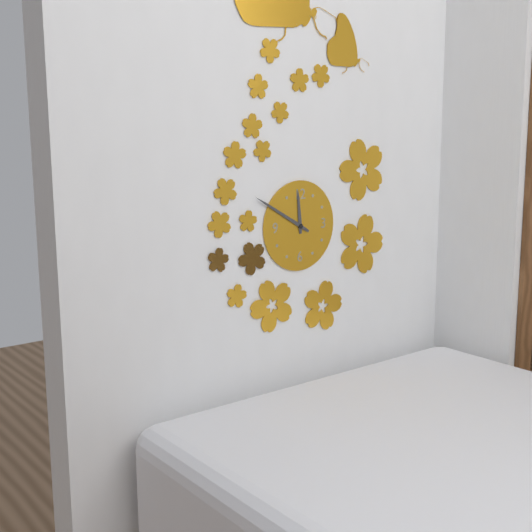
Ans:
11,50
